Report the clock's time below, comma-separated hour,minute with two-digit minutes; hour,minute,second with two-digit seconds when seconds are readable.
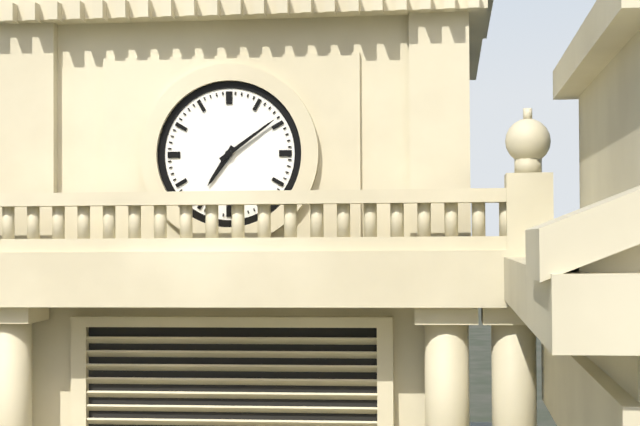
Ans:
7,09
